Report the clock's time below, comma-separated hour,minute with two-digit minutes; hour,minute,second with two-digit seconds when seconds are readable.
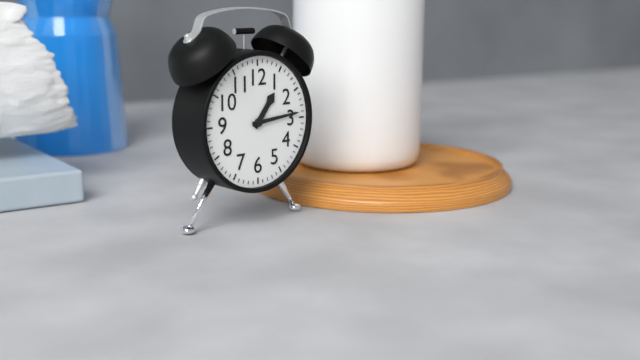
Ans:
1,14
